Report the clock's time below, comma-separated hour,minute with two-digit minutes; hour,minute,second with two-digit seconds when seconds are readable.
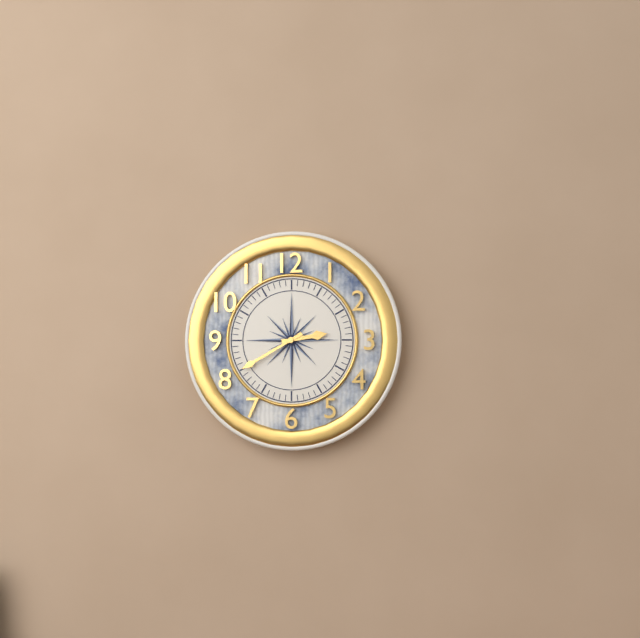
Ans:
2,40
